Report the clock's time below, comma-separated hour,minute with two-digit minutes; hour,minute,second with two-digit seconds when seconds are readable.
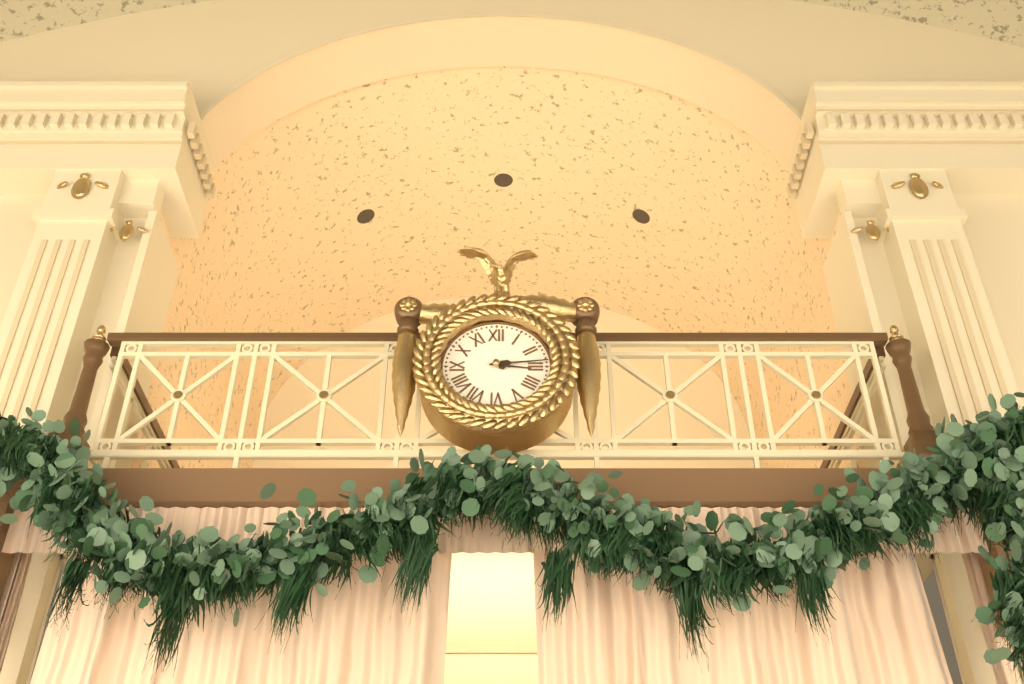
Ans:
3,14
